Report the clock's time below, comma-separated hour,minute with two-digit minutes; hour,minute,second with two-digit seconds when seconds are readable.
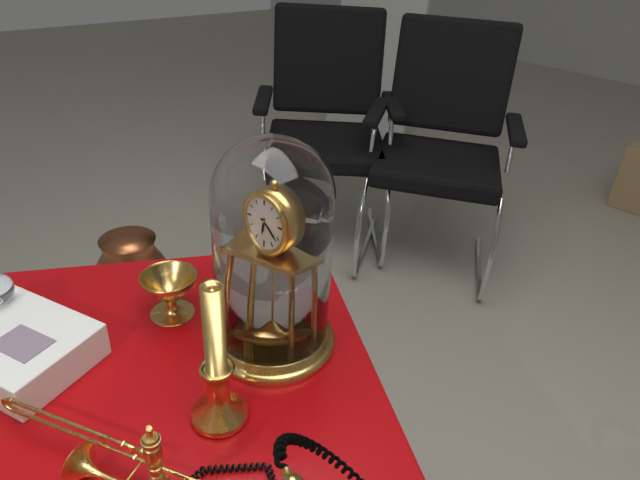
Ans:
6,21
